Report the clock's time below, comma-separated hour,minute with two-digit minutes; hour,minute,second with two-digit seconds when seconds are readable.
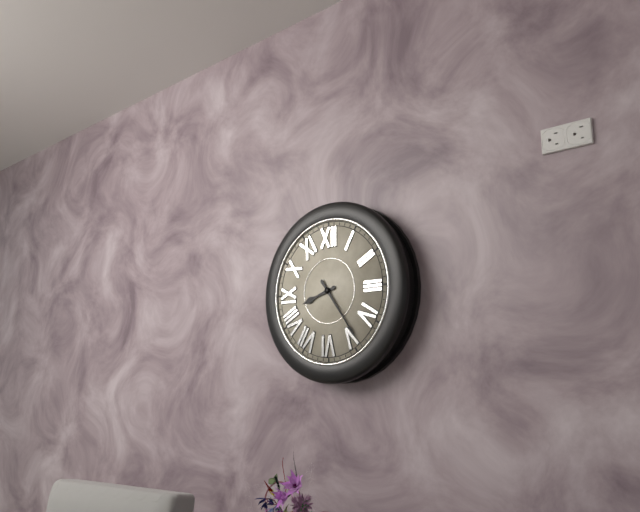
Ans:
8,24
